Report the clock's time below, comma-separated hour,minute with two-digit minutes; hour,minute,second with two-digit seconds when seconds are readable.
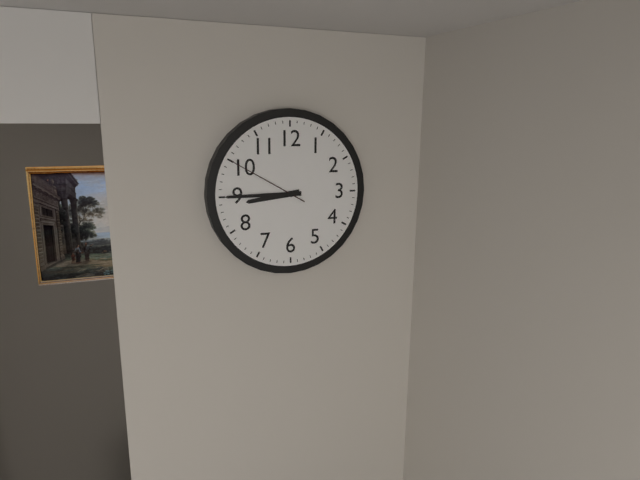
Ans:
8,45,50
